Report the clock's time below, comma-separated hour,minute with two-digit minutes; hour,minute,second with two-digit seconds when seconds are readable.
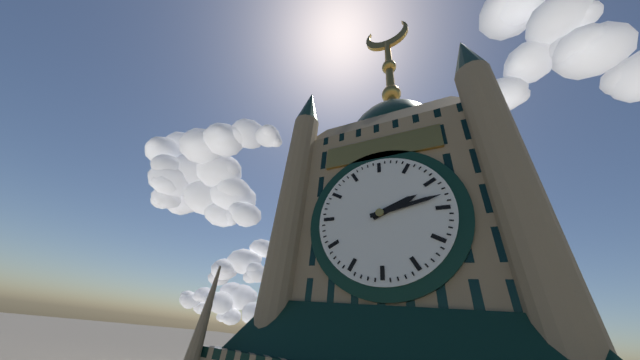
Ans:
2,13
